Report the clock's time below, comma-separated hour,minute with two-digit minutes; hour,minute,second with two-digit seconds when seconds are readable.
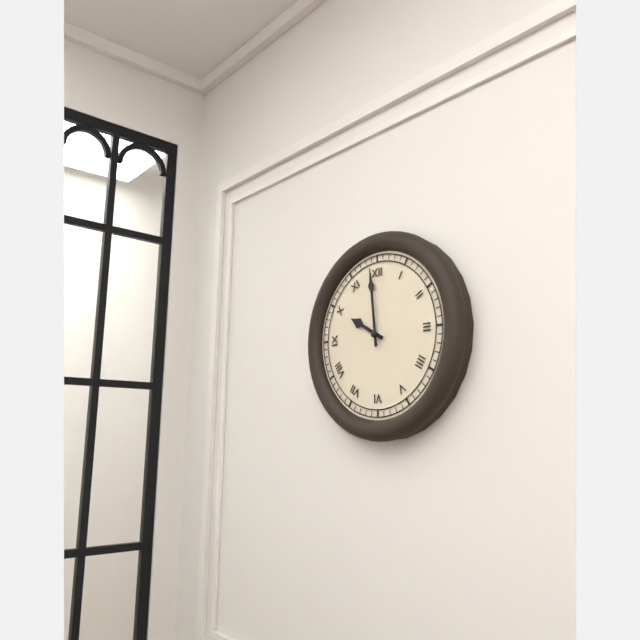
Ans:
9,59
